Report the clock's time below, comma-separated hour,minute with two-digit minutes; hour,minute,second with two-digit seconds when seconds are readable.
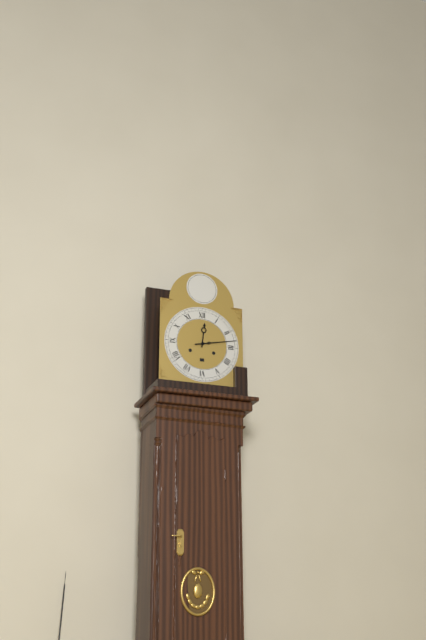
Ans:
12,13
